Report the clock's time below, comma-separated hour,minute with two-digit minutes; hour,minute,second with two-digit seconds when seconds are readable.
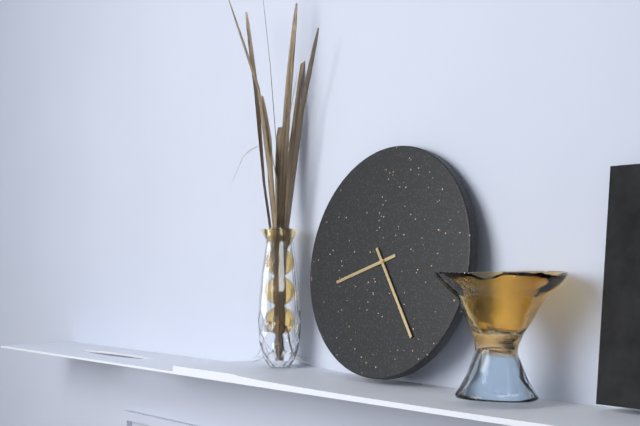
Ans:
8,24
